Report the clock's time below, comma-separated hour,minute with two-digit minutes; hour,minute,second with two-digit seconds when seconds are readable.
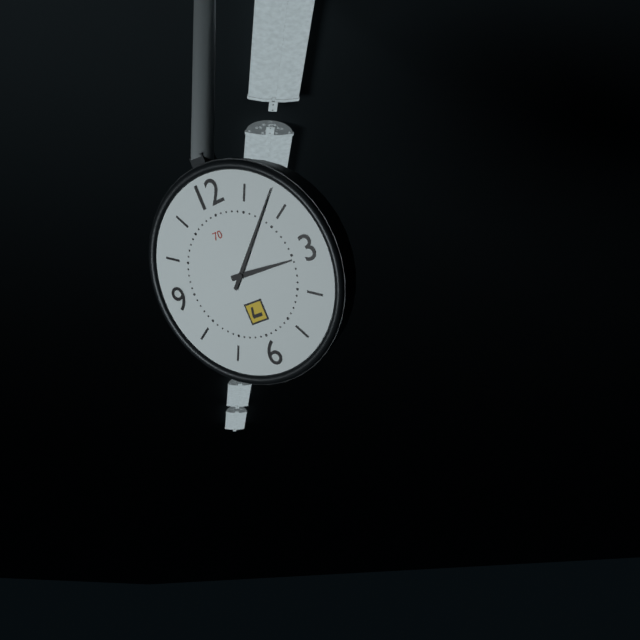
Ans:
3,08
